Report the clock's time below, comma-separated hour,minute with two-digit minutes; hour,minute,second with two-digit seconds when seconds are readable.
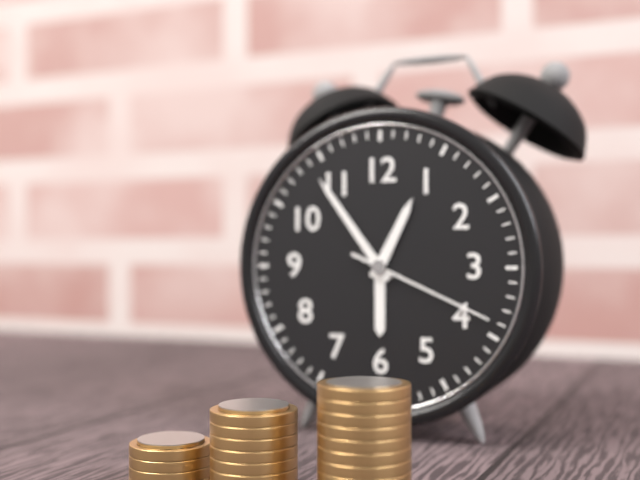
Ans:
12,54,19
